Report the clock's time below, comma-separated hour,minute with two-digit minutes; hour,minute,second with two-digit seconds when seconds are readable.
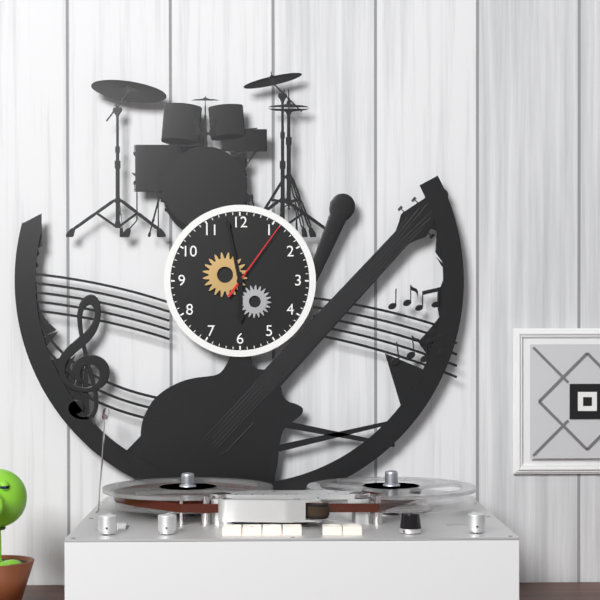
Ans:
5,58,06
